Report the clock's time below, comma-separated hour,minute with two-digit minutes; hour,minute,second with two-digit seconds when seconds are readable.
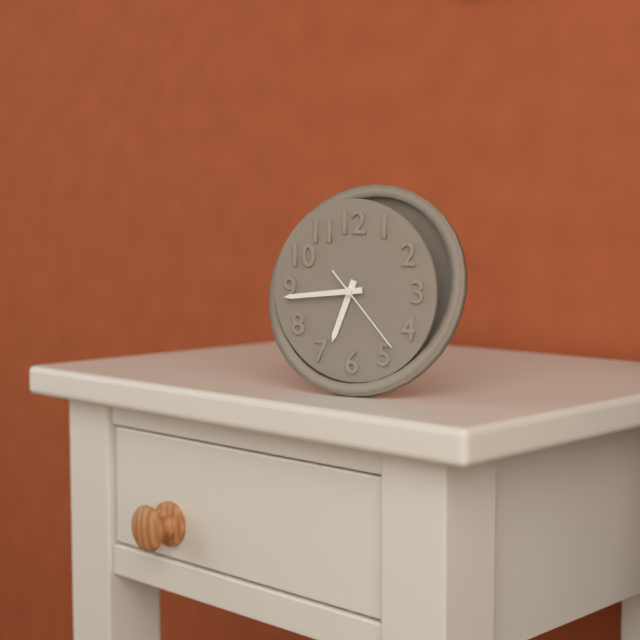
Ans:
6,44,23
